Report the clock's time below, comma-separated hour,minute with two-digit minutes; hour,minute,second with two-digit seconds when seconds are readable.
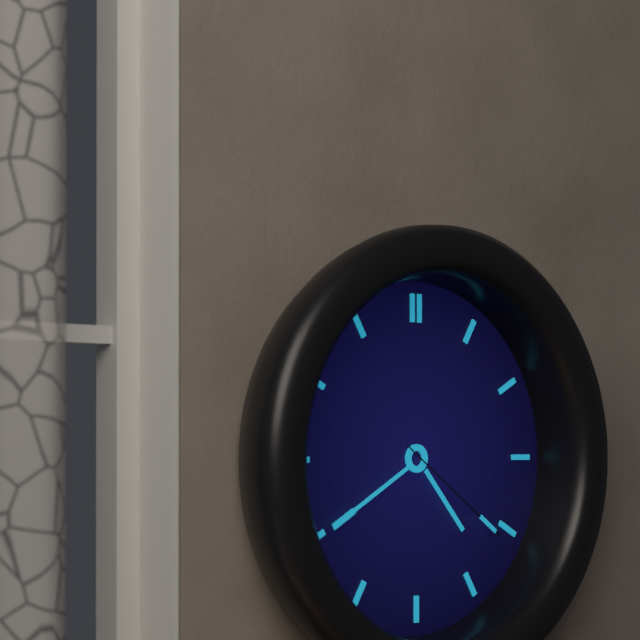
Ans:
4,40,21
